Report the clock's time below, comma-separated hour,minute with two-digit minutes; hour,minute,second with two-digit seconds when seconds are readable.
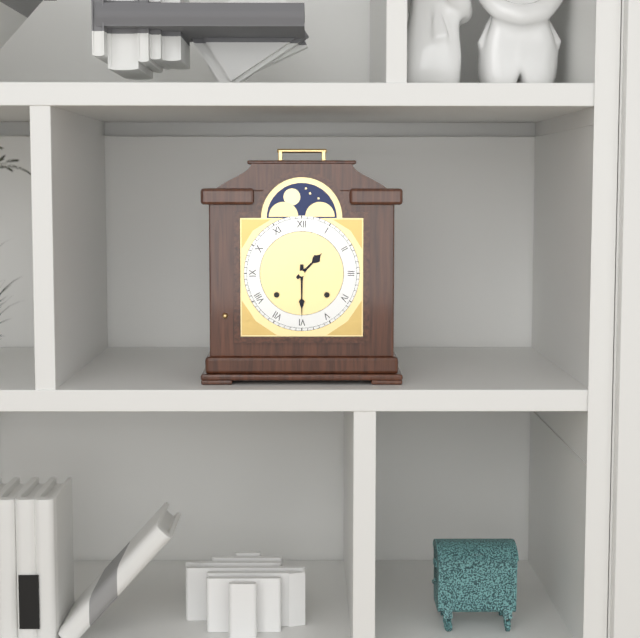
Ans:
1,30
